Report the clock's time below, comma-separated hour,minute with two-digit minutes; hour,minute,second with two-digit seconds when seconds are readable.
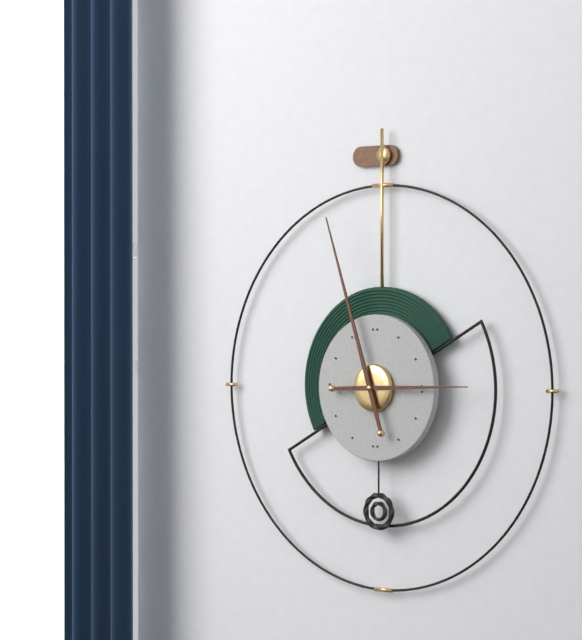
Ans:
2,57
